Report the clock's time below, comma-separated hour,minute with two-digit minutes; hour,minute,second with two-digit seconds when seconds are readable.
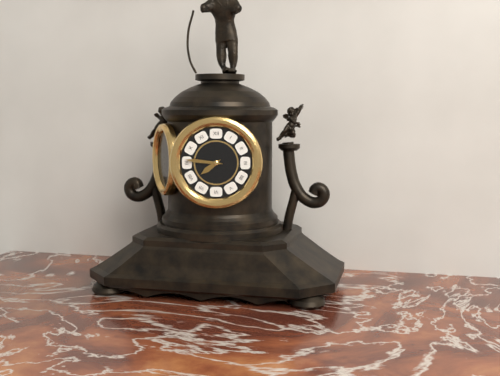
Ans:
7,46
